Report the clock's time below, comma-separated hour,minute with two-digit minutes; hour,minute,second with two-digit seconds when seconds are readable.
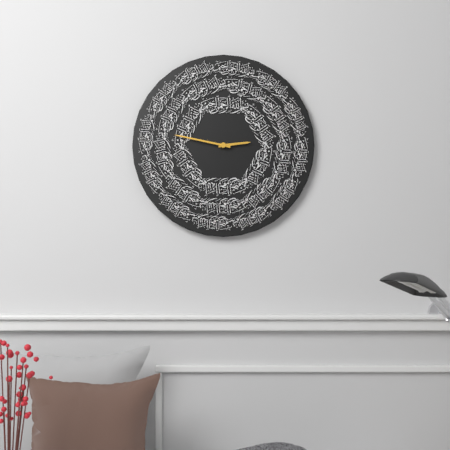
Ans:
2,47
